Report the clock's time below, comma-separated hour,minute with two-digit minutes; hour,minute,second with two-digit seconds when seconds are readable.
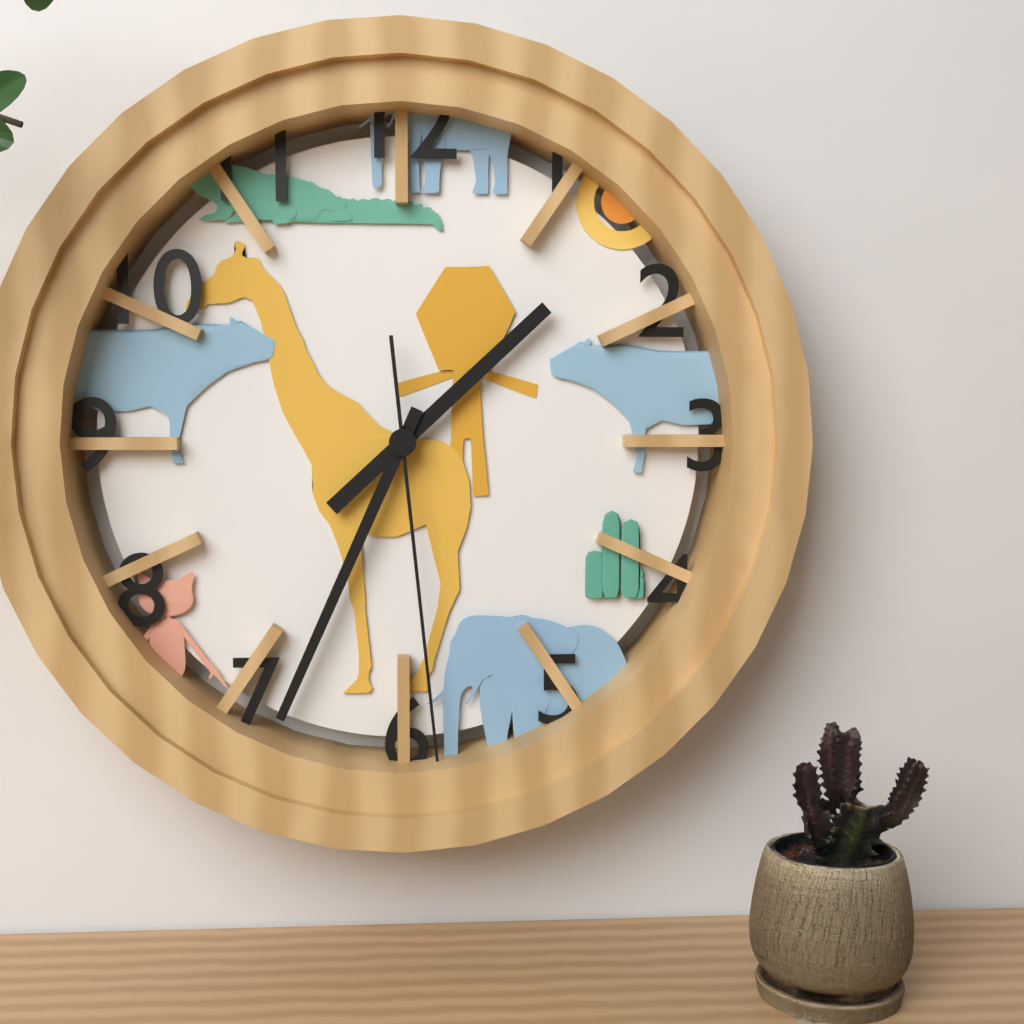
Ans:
1,34,29
